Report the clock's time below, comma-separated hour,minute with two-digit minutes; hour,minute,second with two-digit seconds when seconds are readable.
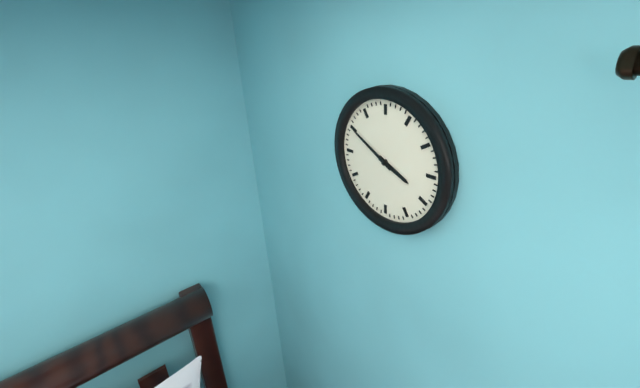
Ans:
3,50
